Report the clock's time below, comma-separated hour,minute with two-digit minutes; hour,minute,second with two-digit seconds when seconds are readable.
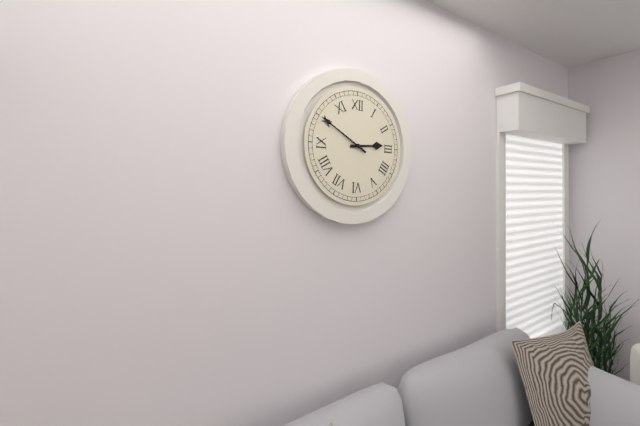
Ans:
2,50
